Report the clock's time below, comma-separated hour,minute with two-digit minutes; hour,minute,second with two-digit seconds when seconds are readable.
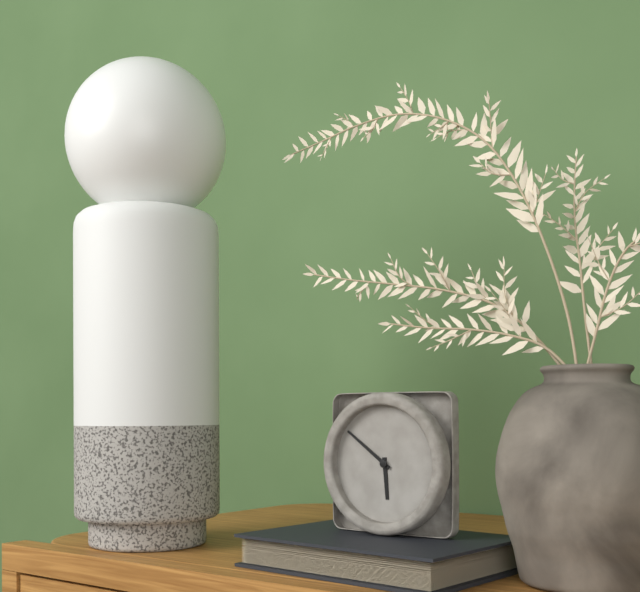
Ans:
5,51
